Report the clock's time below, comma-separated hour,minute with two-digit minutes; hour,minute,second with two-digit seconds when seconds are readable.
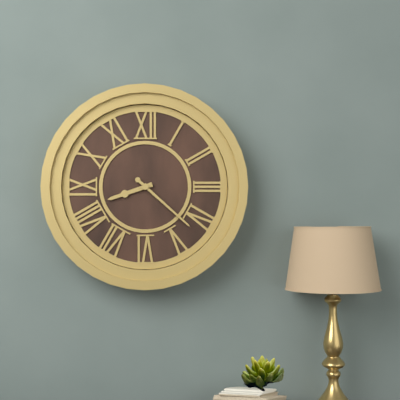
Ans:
8,22
